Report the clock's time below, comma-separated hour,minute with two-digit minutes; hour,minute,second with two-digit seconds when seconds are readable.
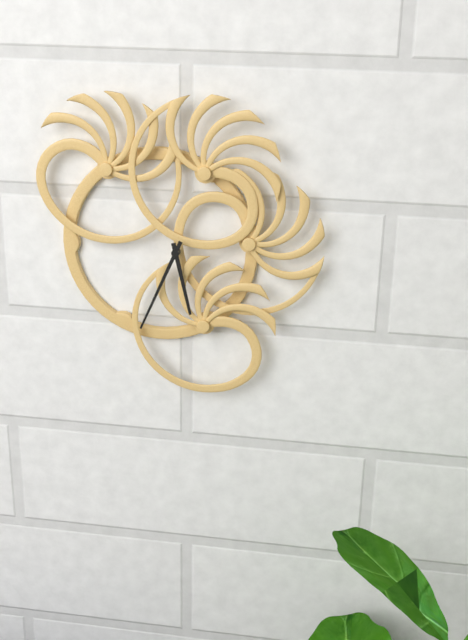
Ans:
5,34
